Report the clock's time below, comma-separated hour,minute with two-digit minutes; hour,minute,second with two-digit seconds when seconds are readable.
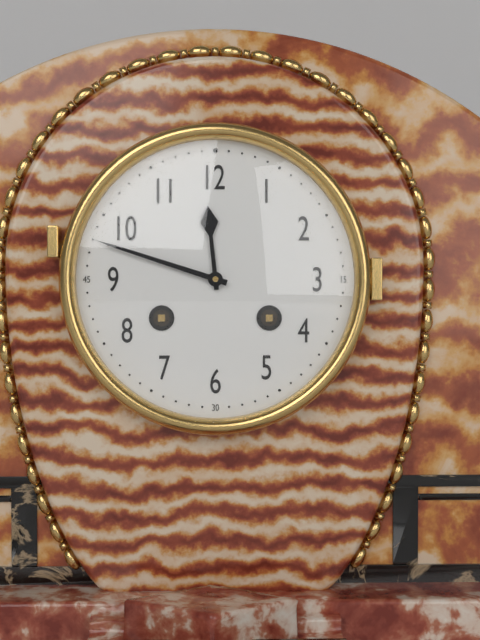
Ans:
11,48
